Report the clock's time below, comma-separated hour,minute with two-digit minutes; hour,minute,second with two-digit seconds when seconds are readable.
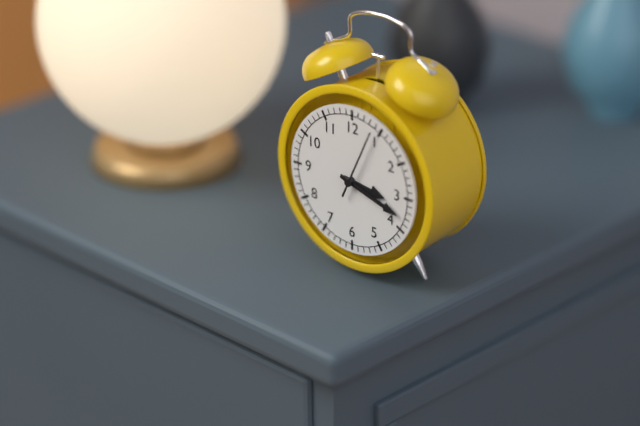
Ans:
3,18,04
